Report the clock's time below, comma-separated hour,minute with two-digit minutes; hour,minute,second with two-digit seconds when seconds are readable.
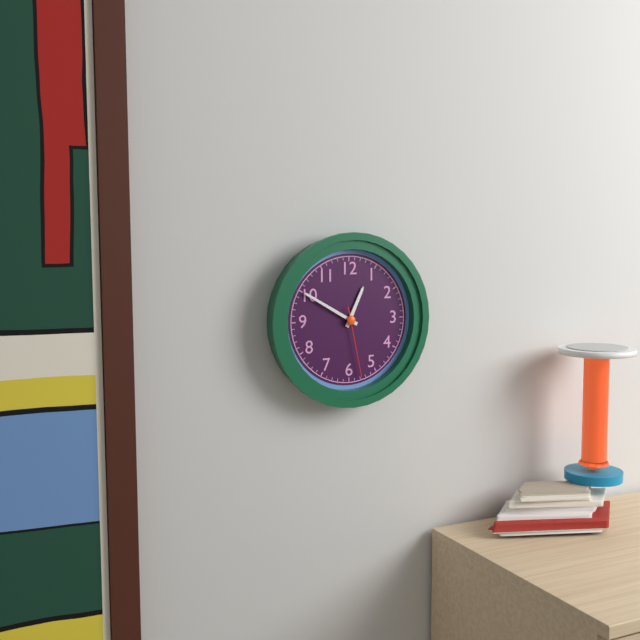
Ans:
12,50,28
